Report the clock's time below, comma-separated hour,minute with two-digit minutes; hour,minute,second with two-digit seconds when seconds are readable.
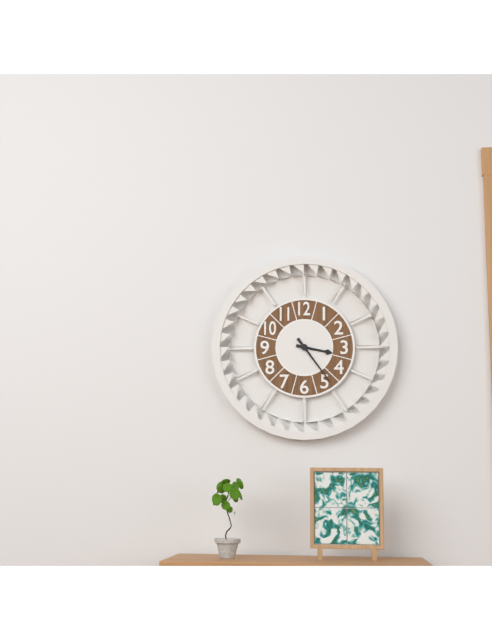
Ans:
3,24
